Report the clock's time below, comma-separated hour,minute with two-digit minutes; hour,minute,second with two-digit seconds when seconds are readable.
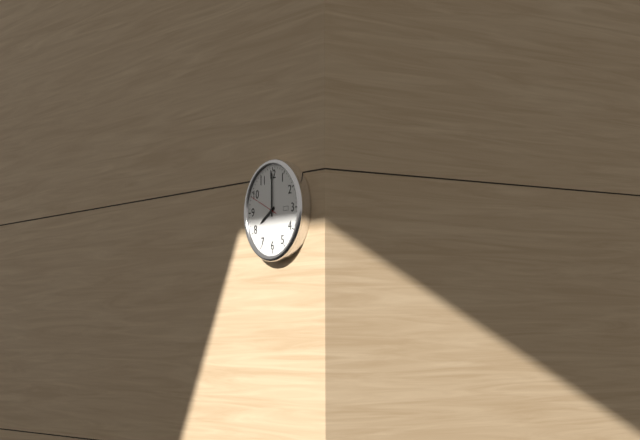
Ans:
8,00
